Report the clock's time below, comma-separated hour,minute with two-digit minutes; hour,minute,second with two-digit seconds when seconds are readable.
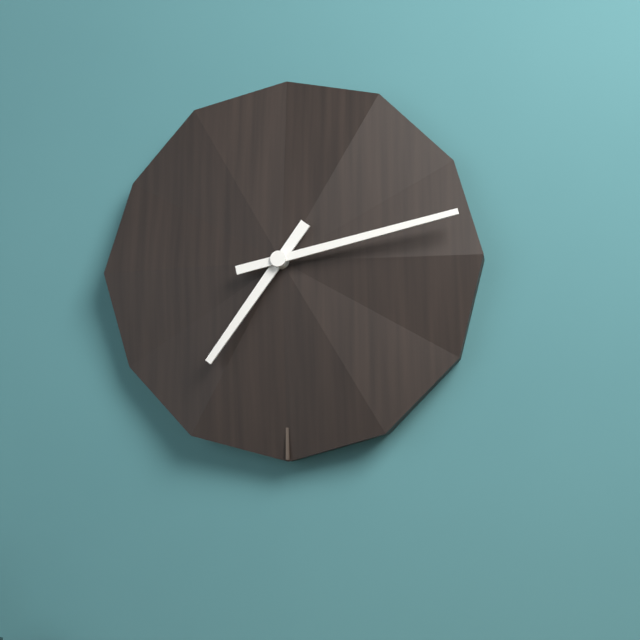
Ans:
7,13
